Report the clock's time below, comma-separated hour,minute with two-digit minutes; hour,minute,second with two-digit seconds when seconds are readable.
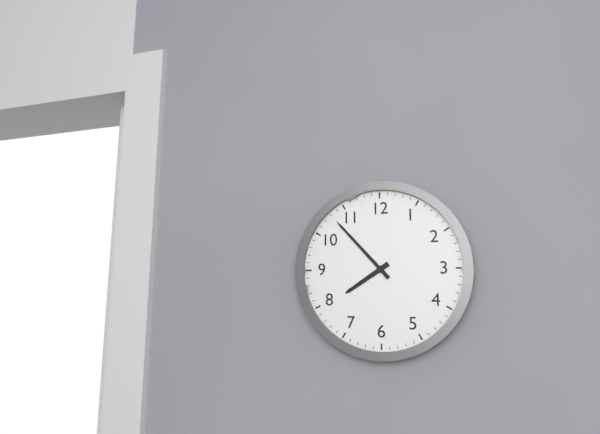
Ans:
7,53
